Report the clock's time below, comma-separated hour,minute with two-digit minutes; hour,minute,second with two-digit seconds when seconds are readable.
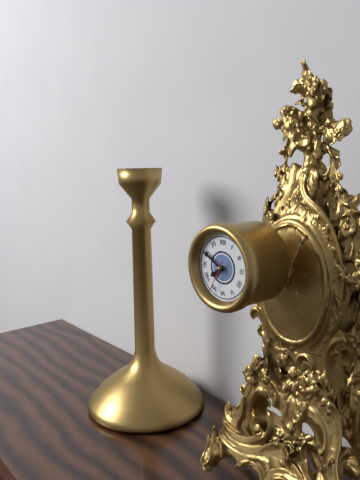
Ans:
7,50
